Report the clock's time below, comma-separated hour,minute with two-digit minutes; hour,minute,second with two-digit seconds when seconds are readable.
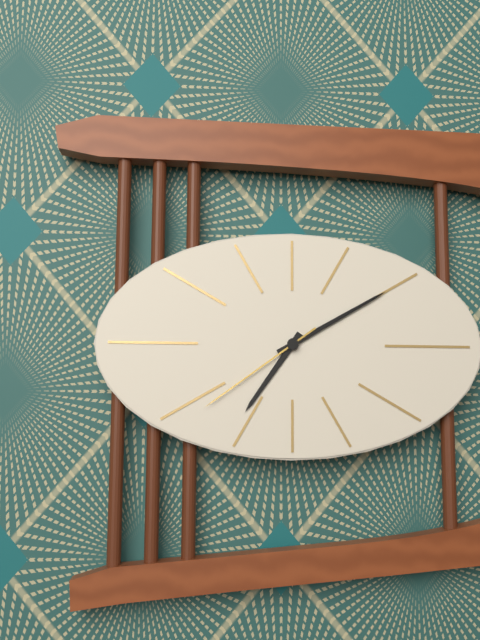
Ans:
7,10,39
